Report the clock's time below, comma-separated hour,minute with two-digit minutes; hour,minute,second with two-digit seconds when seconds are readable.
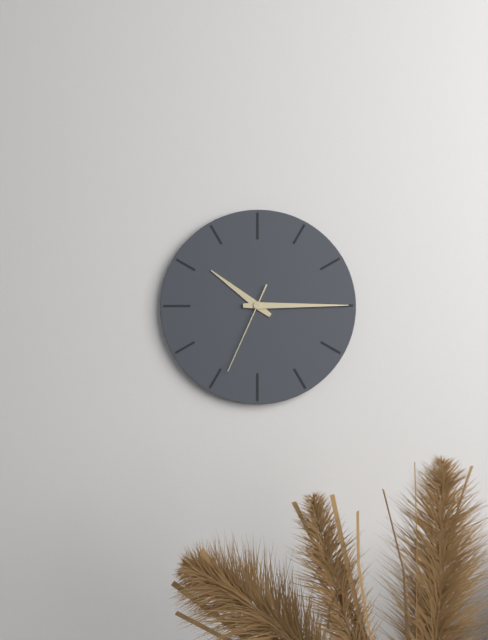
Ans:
10,15,34
